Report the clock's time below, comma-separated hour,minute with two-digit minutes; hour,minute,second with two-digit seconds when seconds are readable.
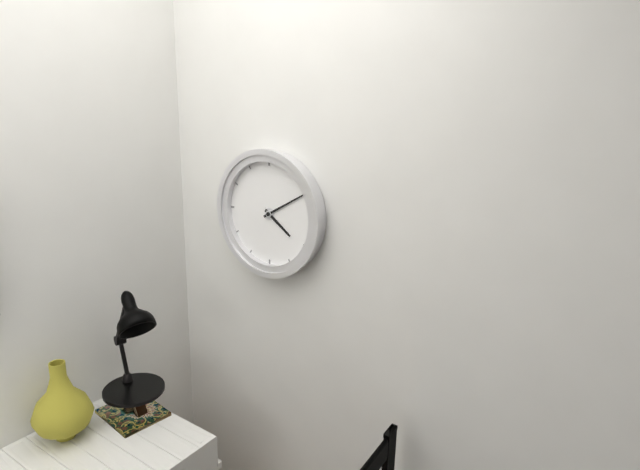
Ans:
4,10
